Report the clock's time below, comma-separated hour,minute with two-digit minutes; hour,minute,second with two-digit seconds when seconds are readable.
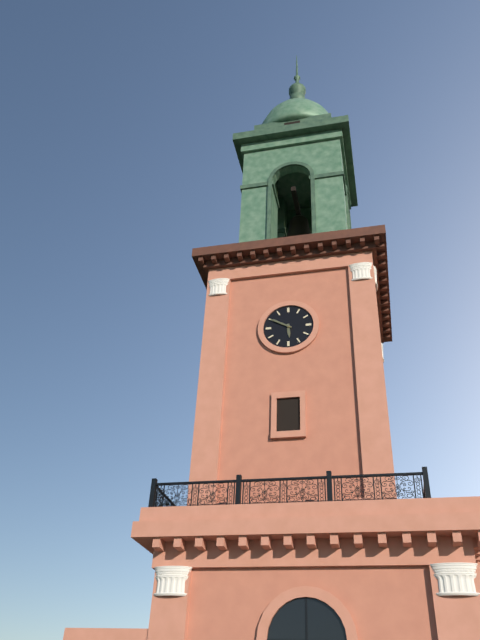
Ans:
5,50
